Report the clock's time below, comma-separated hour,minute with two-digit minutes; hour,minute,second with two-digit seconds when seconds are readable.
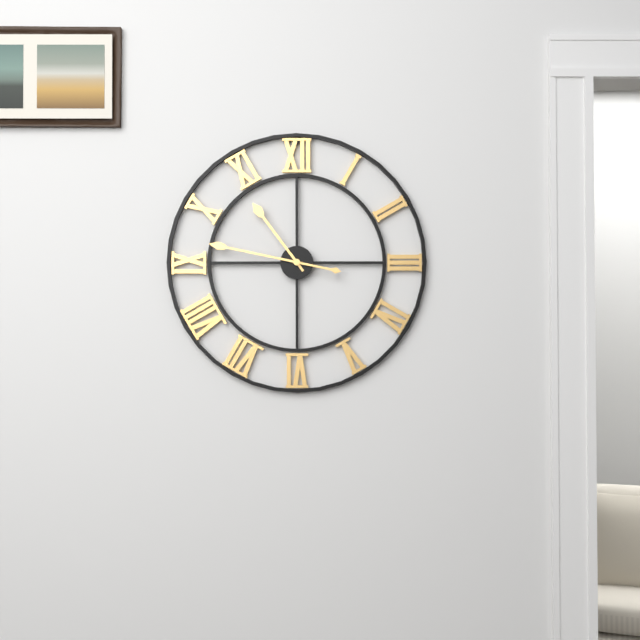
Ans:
10,47
